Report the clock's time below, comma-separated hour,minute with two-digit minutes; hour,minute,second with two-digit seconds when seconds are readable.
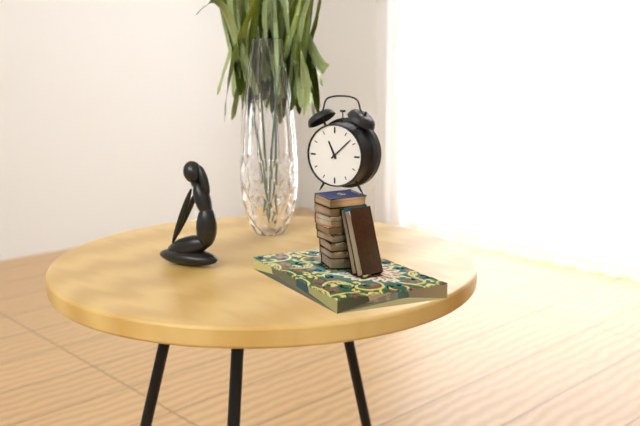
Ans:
11,08
